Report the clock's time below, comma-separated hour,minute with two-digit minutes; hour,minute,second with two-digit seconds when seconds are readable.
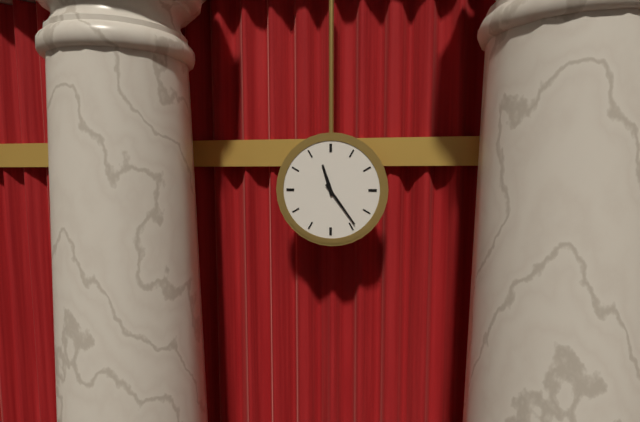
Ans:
11,24
